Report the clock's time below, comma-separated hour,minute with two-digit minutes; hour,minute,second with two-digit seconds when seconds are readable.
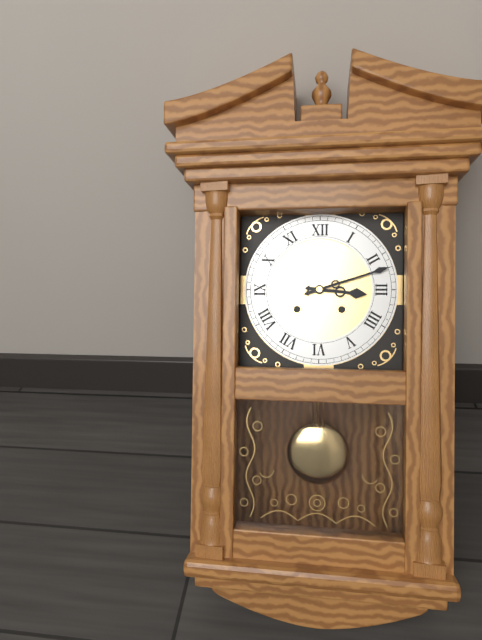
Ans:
3,12
